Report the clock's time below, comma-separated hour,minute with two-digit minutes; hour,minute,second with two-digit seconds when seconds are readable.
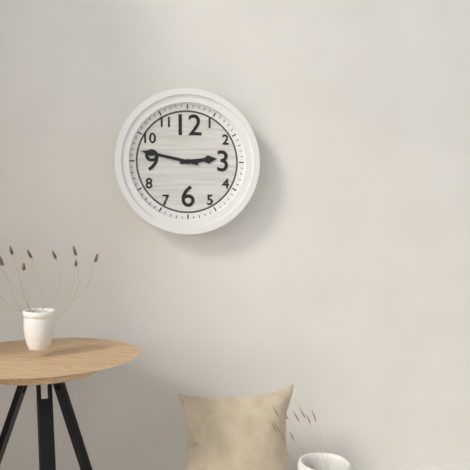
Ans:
2,47
